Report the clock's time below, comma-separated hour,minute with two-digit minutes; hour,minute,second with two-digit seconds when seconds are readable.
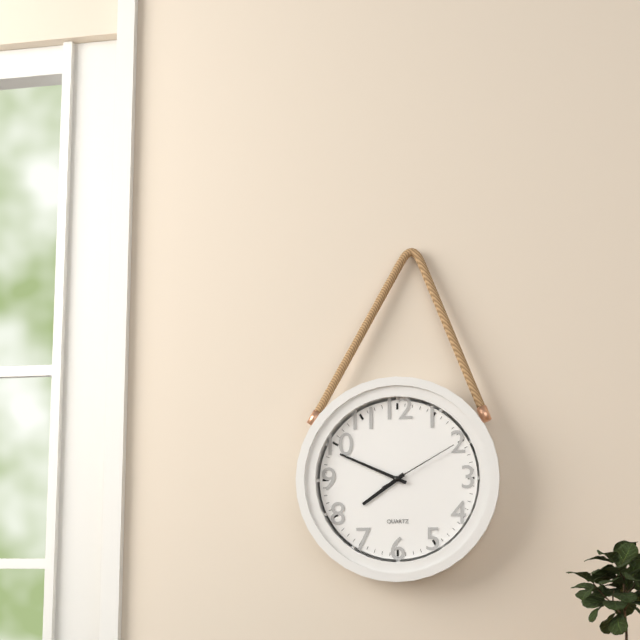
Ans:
7,49,10
